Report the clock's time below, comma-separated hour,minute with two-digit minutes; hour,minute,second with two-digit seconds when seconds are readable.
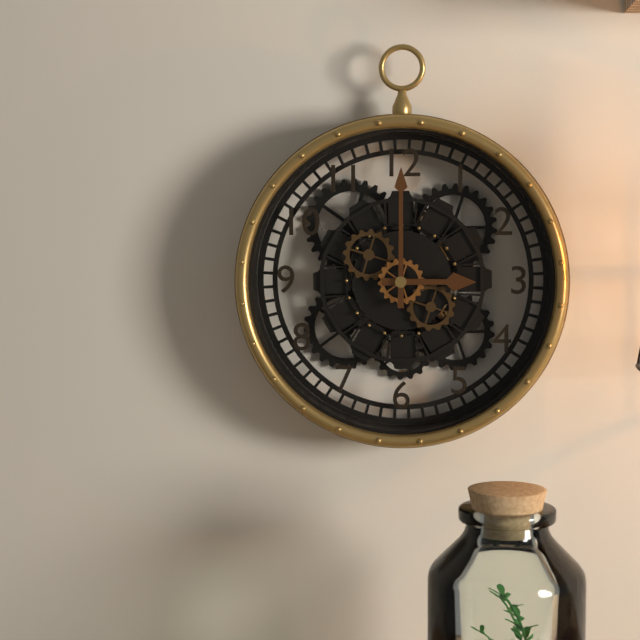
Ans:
3,00
